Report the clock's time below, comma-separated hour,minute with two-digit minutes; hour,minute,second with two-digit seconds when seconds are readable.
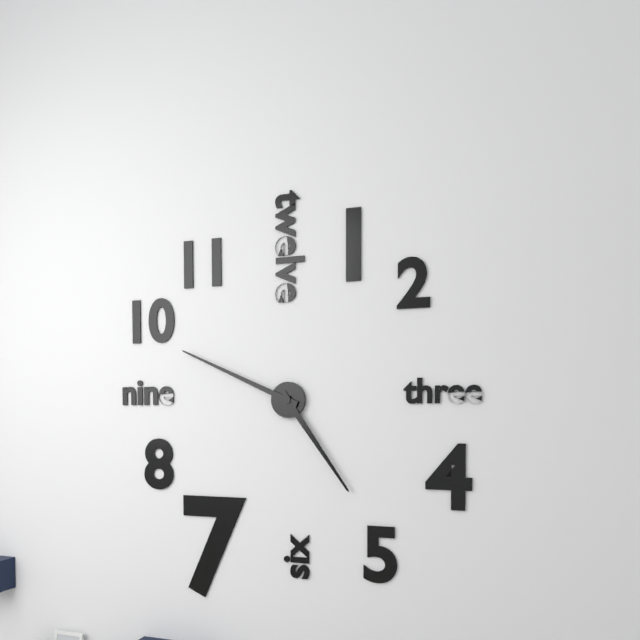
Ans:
4,49
